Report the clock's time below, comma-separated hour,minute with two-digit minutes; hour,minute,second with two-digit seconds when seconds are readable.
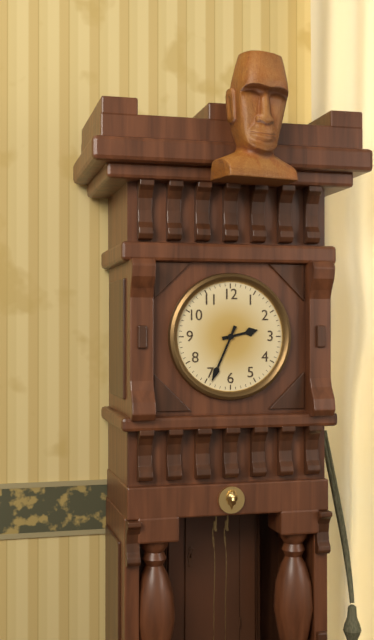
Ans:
2,34
